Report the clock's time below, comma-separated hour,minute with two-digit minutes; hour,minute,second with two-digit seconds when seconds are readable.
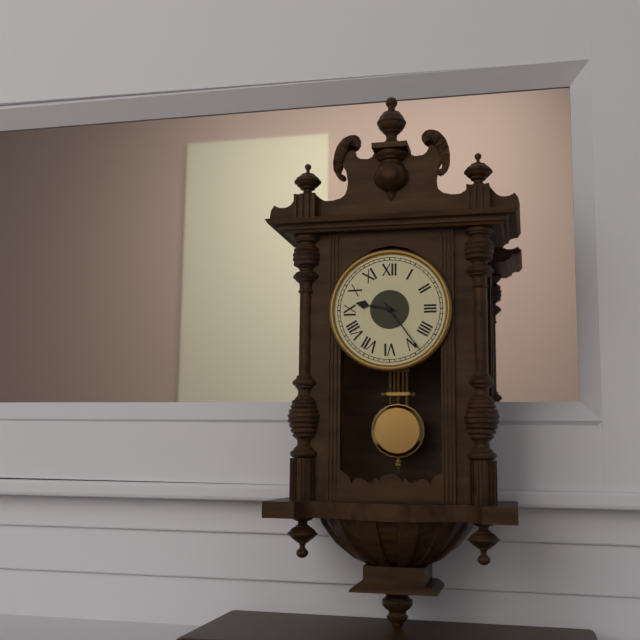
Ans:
9,24
